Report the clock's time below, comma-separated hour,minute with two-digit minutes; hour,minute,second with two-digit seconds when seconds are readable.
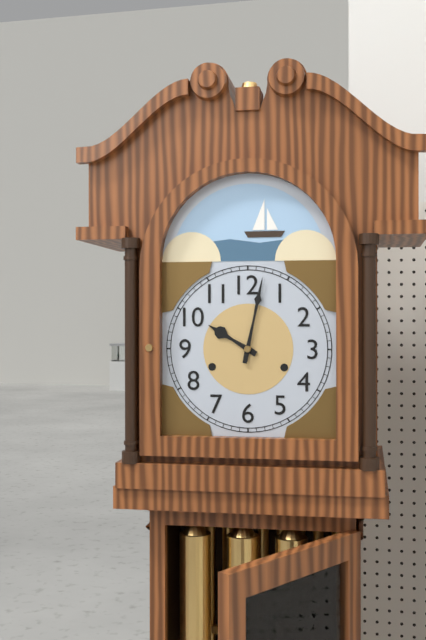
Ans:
10,02
